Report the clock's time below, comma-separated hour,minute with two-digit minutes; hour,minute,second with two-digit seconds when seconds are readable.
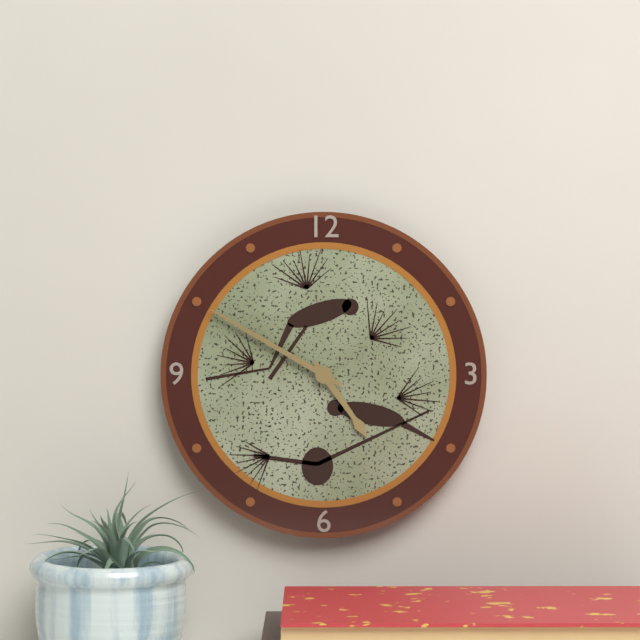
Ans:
4,50
